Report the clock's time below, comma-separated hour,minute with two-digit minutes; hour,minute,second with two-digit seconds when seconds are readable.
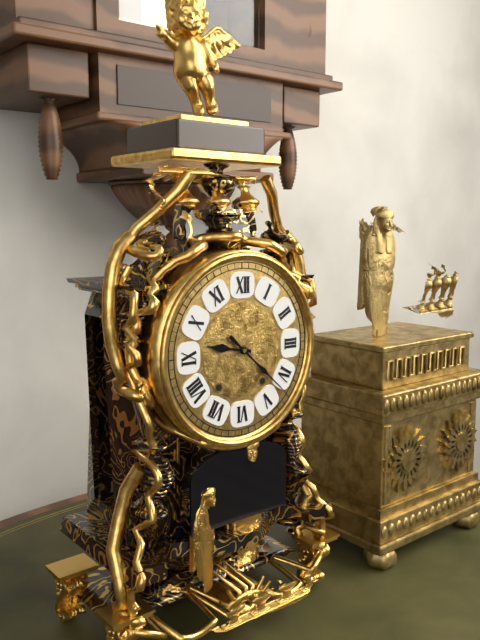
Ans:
9,22
